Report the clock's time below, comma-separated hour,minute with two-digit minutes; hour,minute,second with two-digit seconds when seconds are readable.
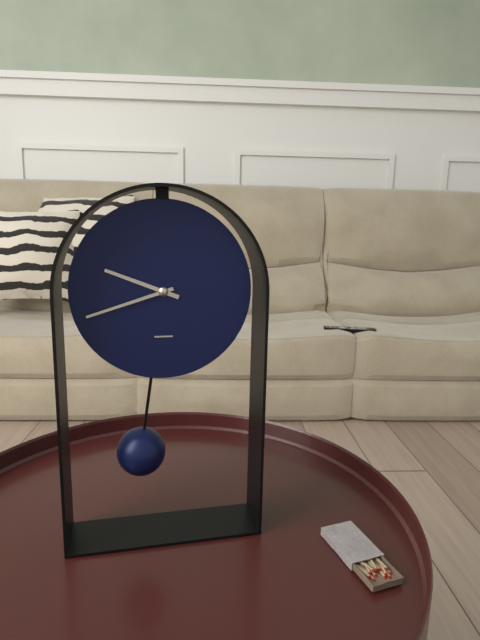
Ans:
9,42
